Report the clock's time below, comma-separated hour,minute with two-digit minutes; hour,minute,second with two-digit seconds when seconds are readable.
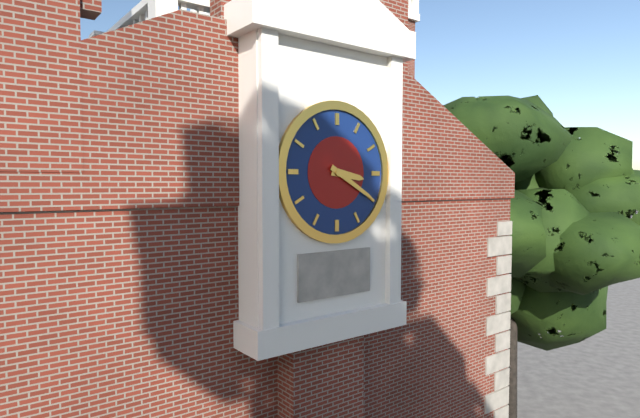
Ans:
3,20
